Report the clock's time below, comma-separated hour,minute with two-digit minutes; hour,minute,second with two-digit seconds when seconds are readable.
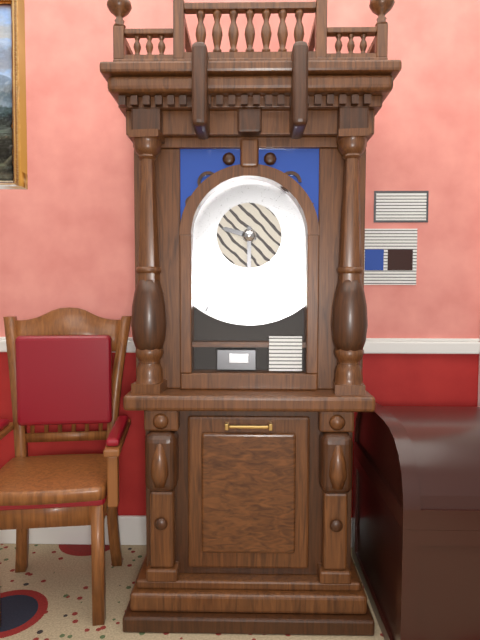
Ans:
9,30
